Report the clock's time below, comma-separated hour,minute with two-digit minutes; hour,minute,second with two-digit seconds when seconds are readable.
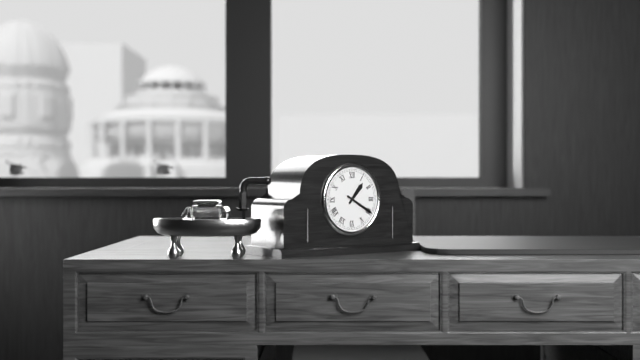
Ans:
1,20
